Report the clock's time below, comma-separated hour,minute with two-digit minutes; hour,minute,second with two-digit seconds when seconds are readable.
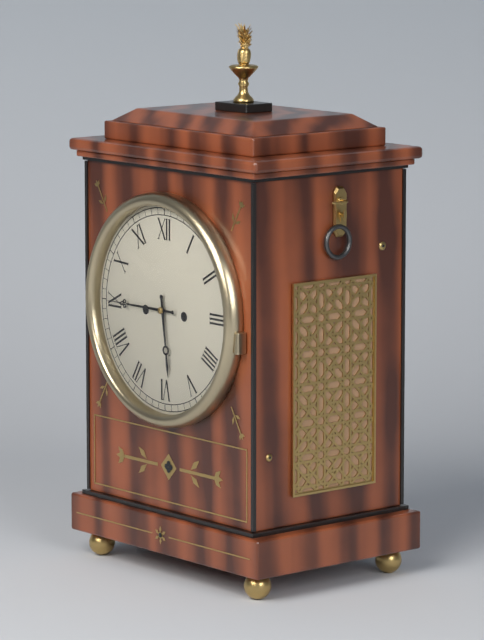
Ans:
5,45
